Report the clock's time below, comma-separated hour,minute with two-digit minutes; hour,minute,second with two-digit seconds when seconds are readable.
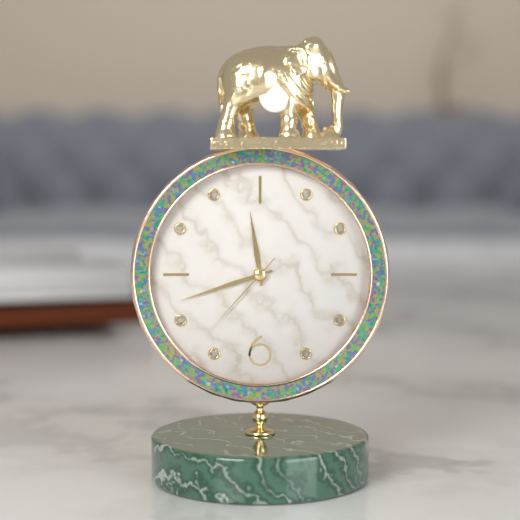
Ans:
11,42,37
